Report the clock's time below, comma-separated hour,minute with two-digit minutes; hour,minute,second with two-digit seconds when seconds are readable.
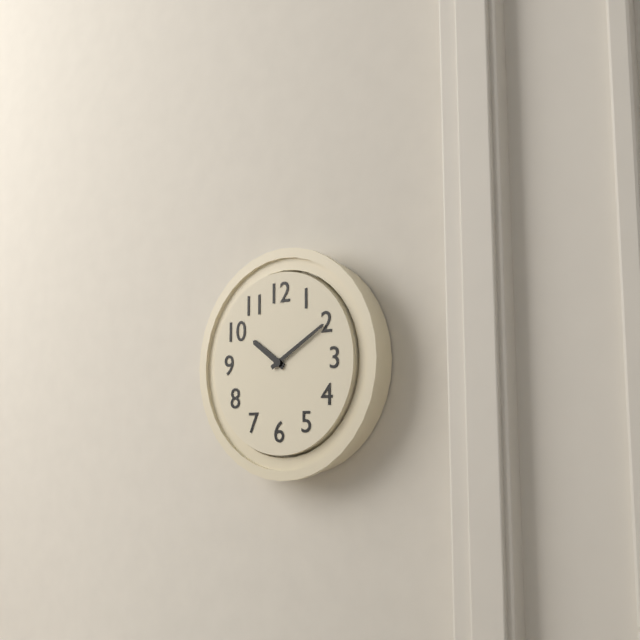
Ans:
10,10
